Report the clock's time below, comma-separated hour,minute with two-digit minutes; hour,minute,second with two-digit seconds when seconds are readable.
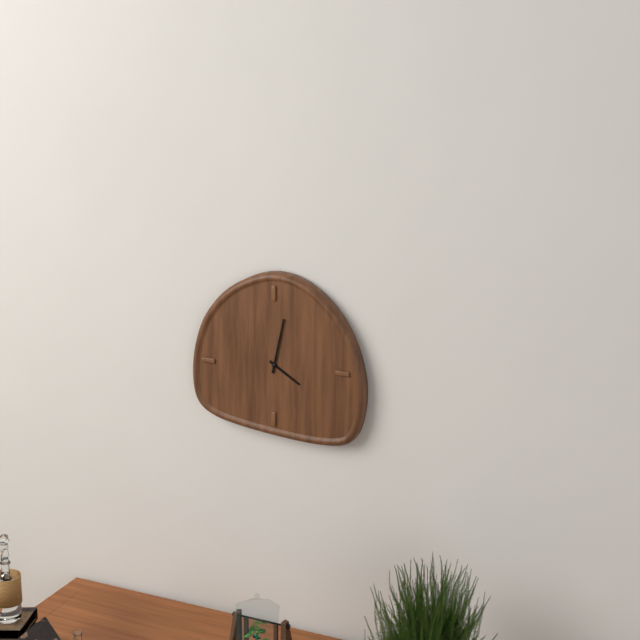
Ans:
4,02
